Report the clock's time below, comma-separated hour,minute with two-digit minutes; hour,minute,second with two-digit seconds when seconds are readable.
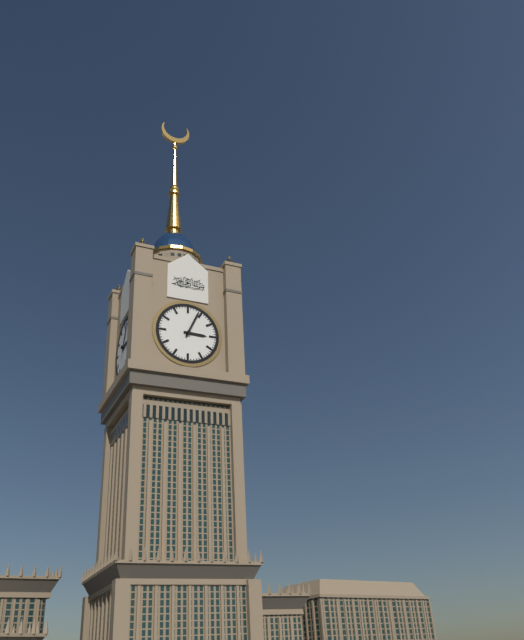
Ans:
3,04
